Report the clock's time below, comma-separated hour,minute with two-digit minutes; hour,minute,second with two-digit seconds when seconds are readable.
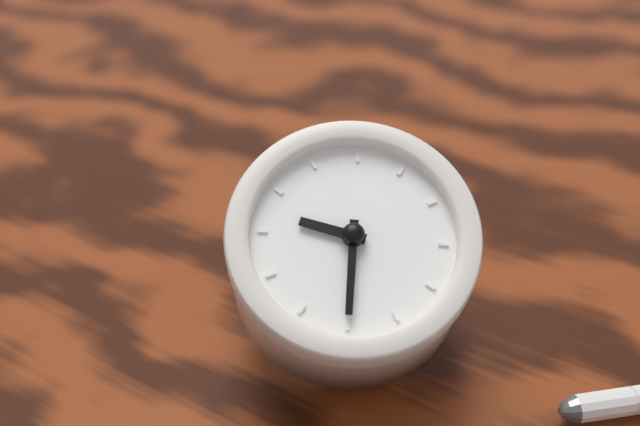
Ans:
8,25
